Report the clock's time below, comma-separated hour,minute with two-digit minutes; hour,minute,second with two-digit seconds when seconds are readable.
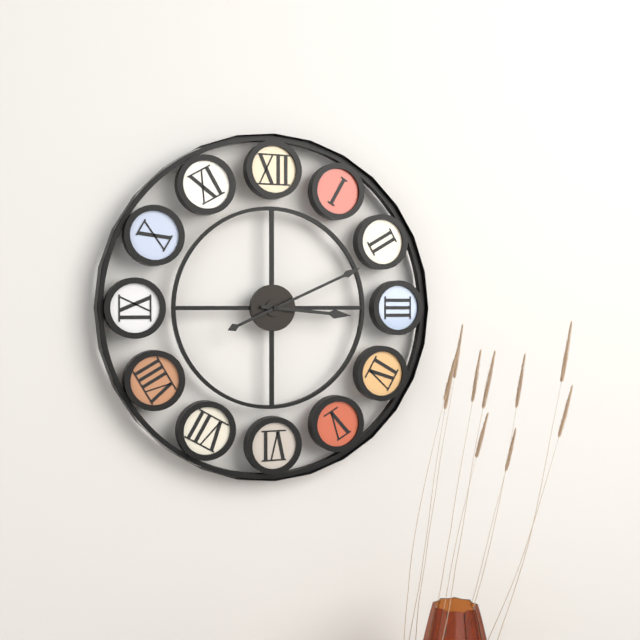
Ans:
3,11
